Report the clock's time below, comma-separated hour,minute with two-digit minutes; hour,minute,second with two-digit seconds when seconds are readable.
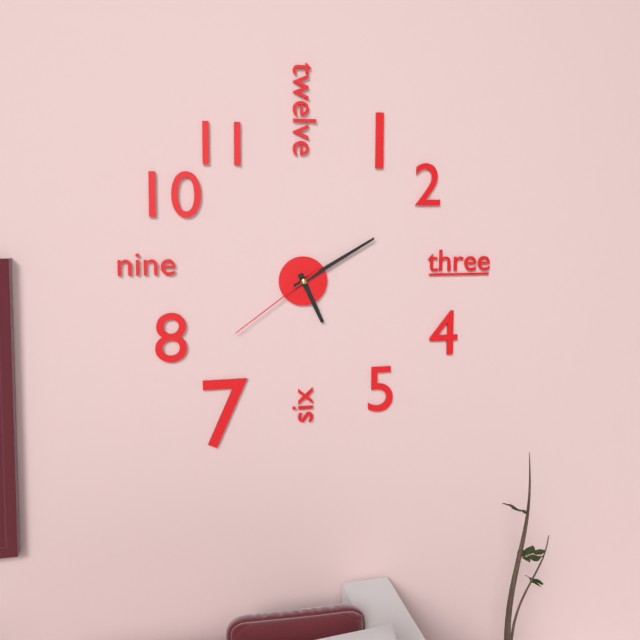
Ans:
5,10,39
